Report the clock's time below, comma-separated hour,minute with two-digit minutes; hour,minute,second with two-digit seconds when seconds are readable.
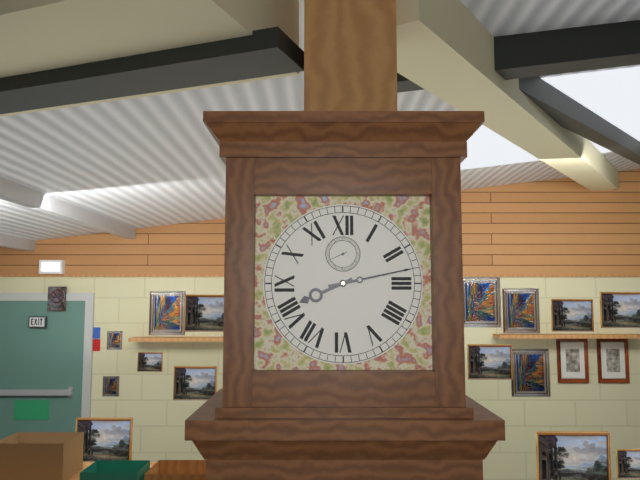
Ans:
8,13
